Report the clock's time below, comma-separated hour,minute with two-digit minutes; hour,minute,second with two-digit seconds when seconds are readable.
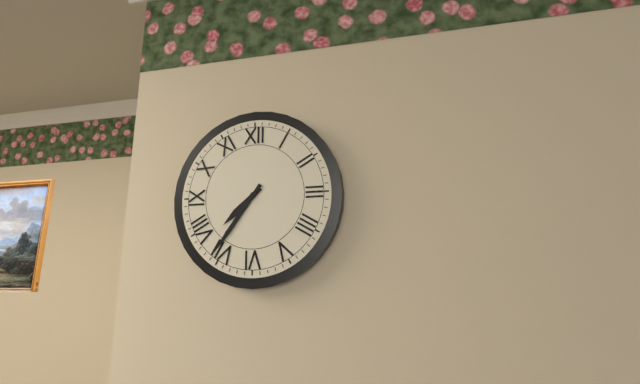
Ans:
7,36
